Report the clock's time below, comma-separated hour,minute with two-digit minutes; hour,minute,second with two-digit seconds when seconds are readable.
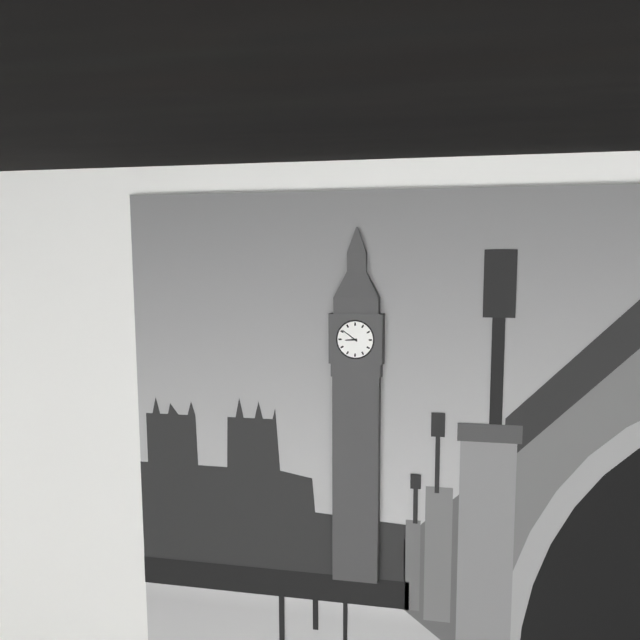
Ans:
8,51
